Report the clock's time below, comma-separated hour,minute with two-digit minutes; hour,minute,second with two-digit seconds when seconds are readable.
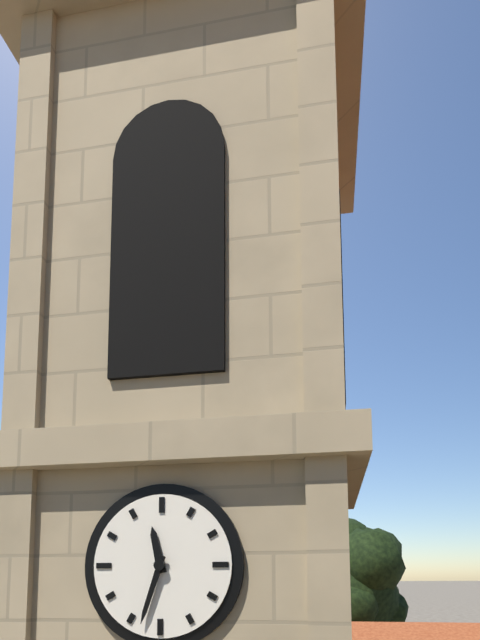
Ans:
11,33
